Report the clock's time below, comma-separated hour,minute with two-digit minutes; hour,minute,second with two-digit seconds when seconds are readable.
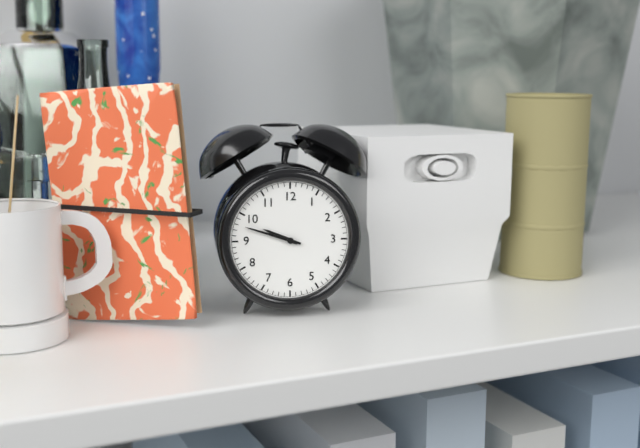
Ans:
9,48
